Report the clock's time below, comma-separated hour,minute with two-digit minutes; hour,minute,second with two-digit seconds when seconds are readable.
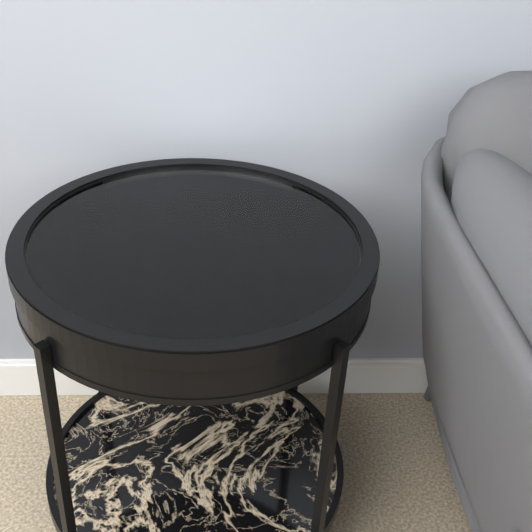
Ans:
5,08
